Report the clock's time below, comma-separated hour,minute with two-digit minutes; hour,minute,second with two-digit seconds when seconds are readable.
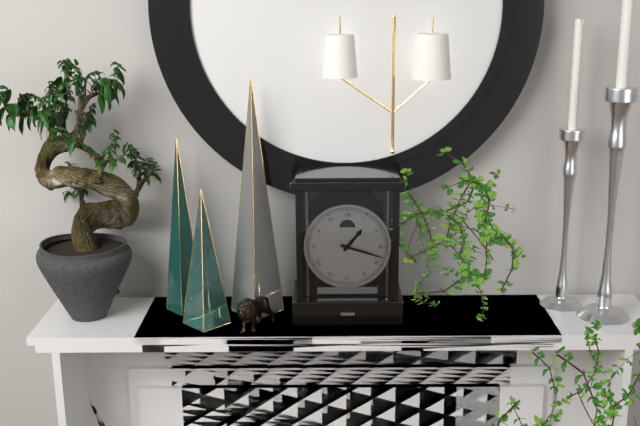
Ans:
1,18
